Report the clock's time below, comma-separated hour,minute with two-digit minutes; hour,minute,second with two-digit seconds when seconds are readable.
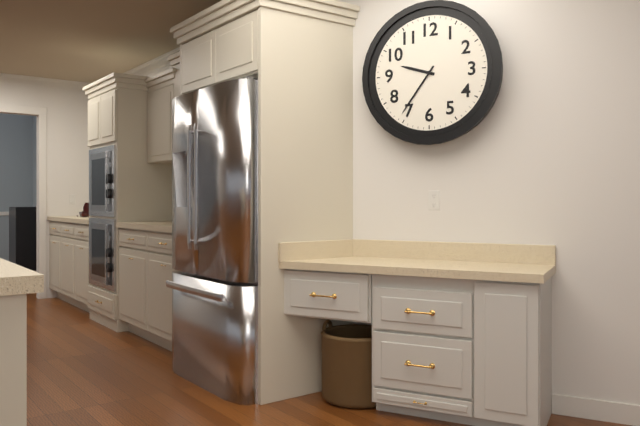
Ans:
9,36
